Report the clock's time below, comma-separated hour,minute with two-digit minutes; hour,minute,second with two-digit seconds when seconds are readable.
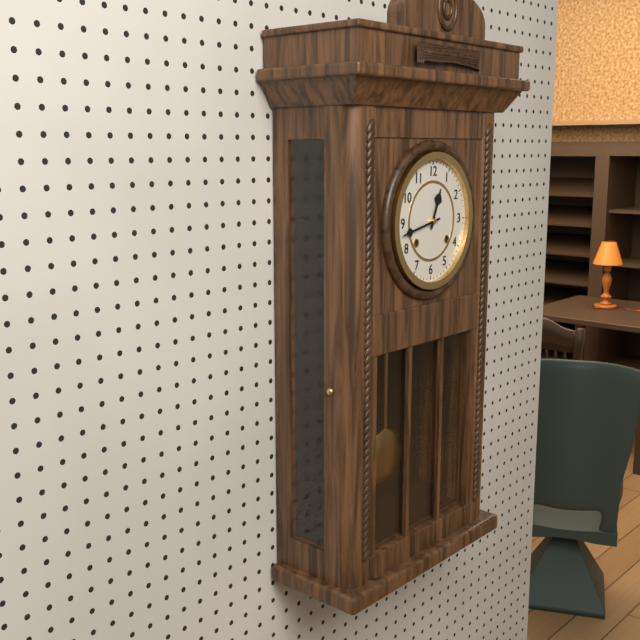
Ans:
12,43
